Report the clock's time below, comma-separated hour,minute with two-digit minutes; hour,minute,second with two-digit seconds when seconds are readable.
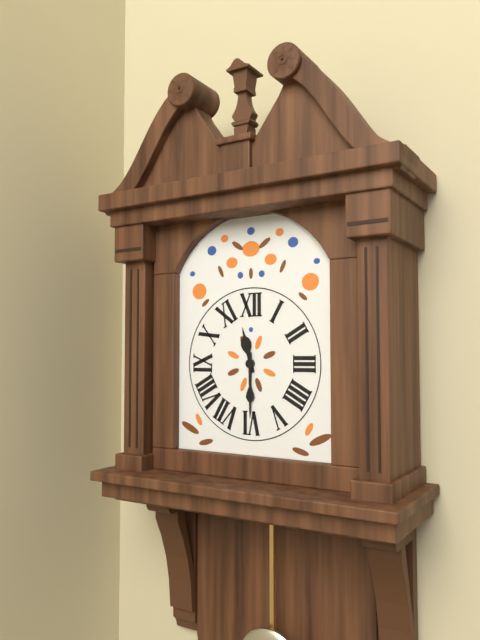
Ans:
11,30
